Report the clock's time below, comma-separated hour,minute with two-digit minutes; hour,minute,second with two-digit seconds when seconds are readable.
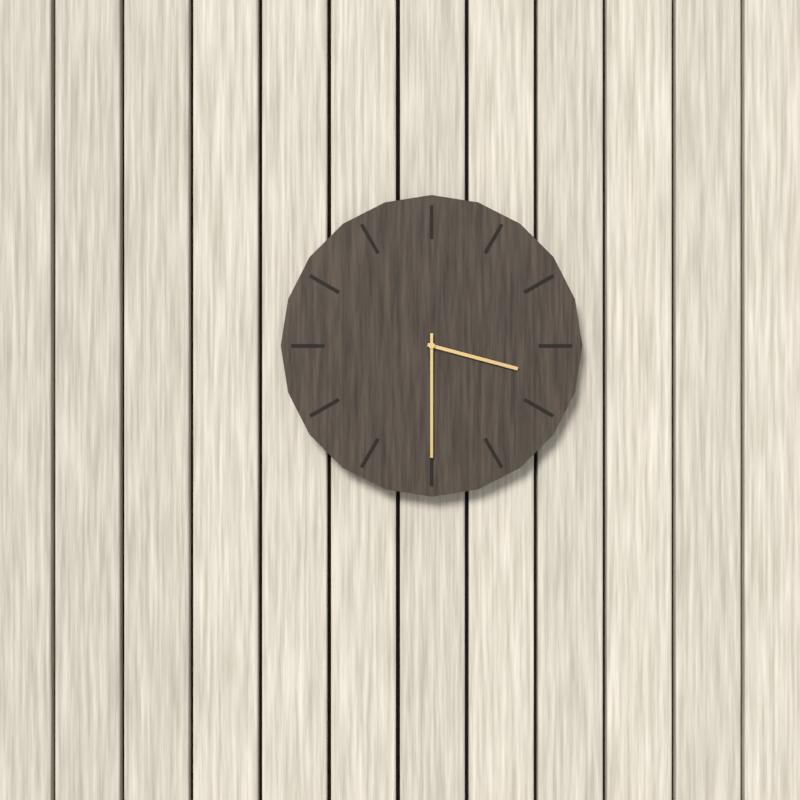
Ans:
3,30
